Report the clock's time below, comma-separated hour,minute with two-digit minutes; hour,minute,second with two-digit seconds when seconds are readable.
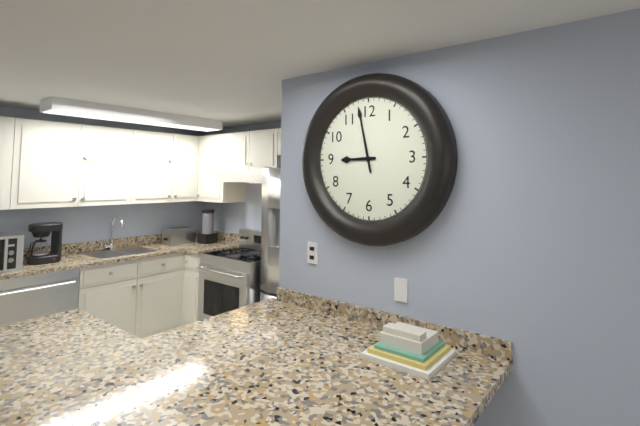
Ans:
8,58
